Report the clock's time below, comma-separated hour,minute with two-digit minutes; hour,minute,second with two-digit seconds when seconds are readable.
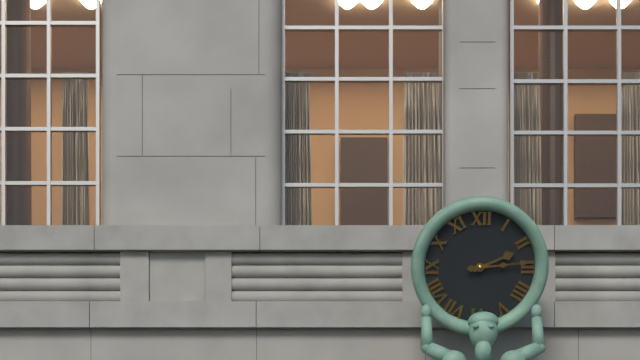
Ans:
2,14
